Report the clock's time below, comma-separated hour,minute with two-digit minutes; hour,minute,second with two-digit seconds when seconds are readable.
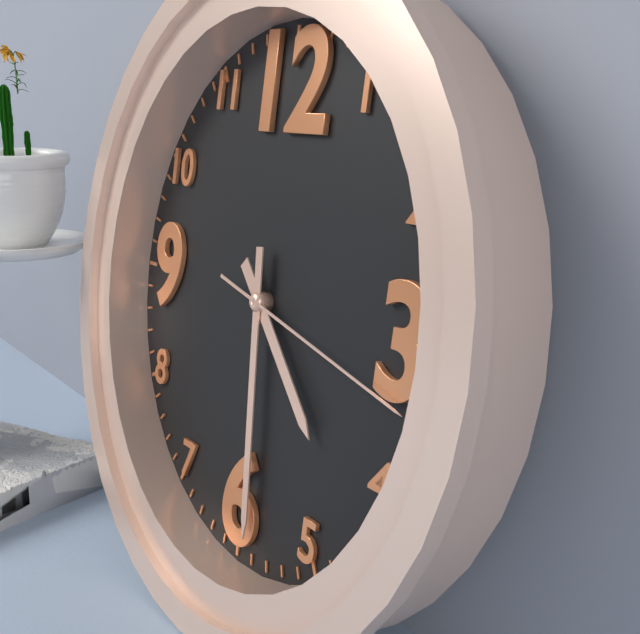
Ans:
4,29,17
